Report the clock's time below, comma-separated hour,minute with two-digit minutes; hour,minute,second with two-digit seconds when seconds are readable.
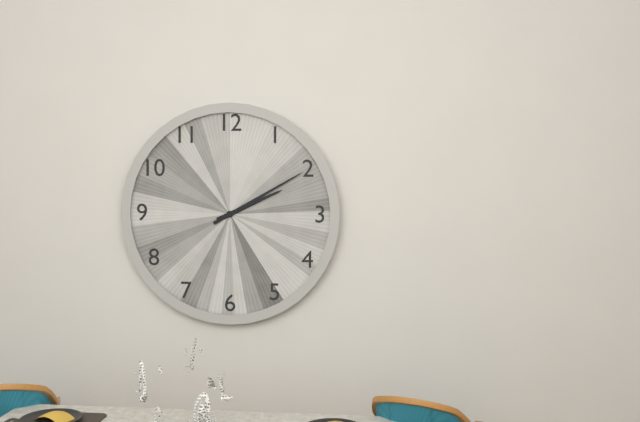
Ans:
2,10
